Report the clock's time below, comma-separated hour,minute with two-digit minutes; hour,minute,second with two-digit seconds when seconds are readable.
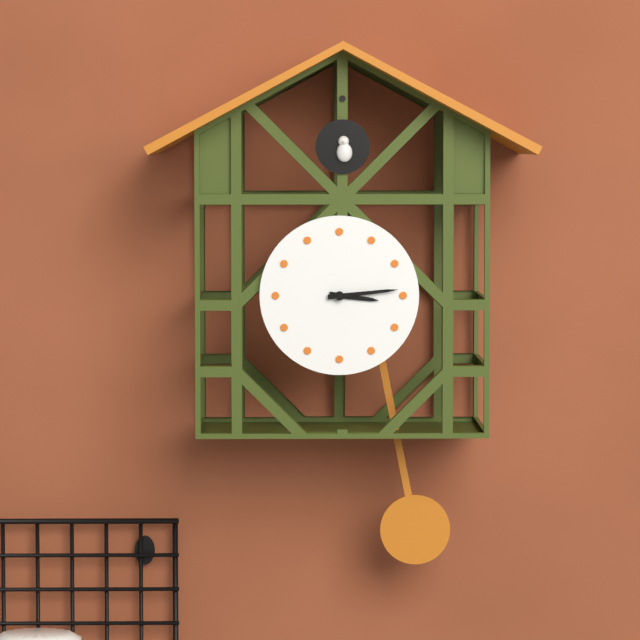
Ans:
3,14
